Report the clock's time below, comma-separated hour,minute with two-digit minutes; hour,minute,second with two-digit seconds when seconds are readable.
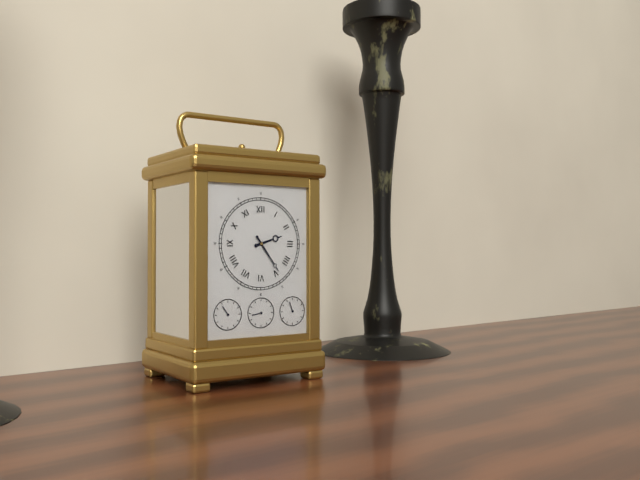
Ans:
2,24
